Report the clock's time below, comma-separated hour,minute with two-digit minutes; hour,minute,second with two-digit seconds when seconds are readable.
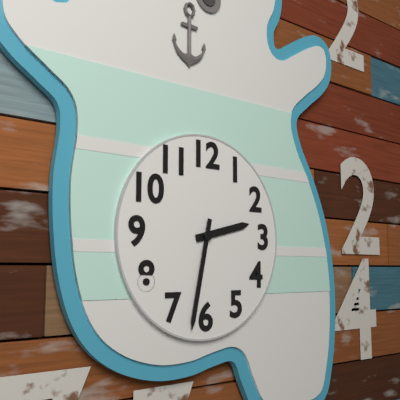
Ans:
2,32
